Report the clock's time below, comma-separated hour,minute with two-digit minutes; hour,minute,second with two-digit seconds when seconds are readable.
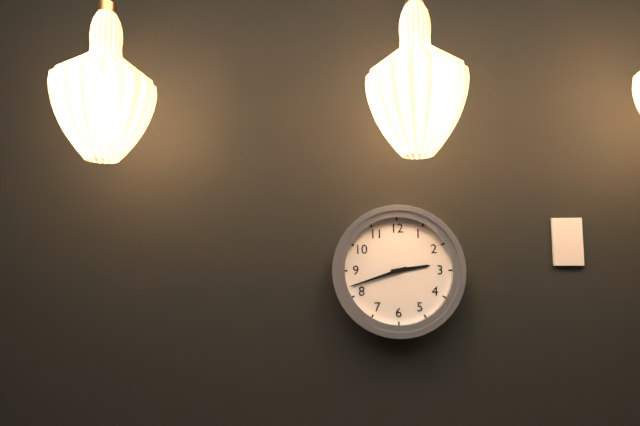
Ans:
2,42
